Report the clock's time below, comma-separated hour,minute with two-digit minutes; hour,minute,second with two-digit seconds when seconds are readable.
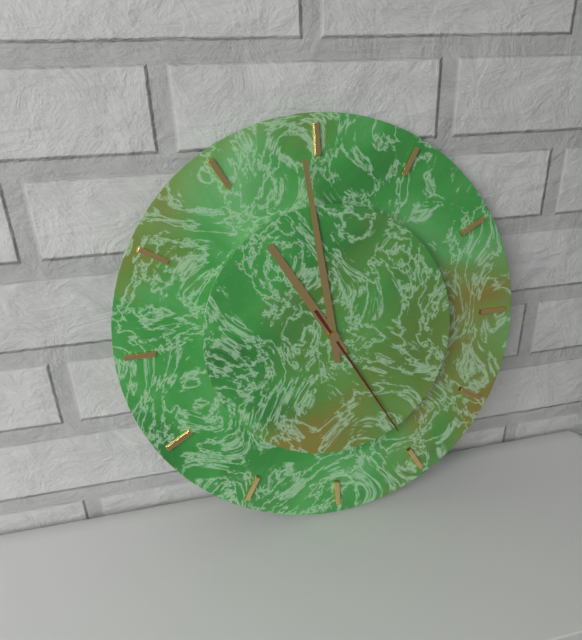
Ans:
10,59,25
